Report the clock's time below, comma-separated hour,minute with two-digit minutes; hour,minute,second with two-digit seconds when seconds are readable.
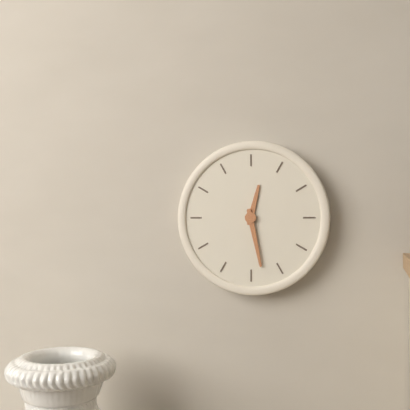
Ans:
12,28
